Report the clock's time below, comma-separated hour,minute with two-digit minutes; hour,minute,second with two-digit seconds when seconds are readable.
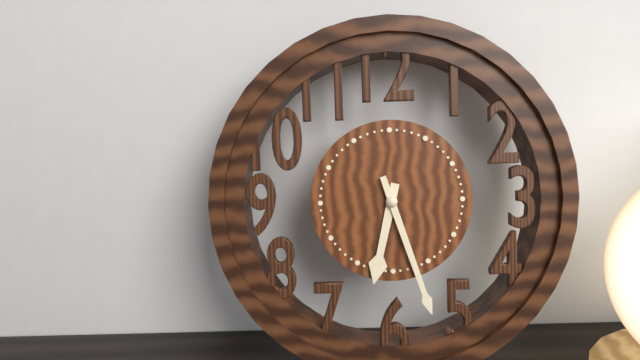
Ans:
6,27
